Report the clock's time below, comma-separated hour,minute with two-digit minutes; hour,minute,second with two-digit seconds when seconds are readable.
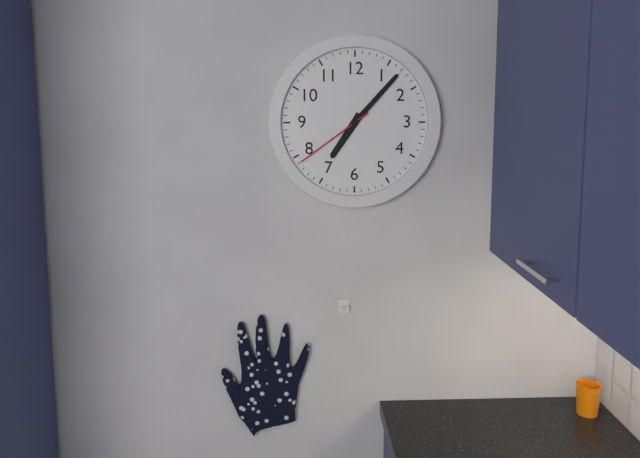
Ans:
7,07,39
